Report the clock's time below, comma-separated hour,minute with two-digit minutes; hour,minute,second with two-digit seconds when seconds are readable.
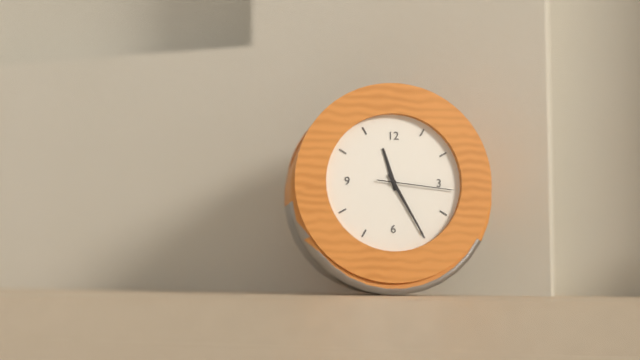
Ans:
11,25,16
